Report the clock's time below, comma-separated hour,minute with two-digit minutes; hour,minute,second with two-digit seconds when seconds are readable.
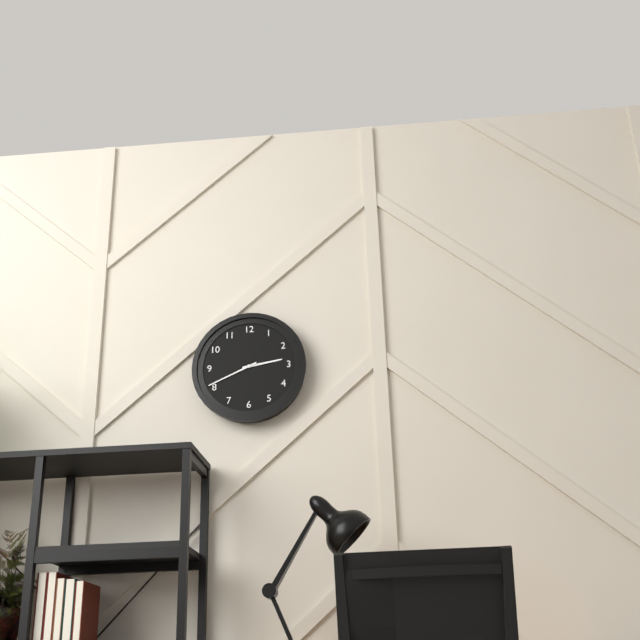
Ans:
2,41
